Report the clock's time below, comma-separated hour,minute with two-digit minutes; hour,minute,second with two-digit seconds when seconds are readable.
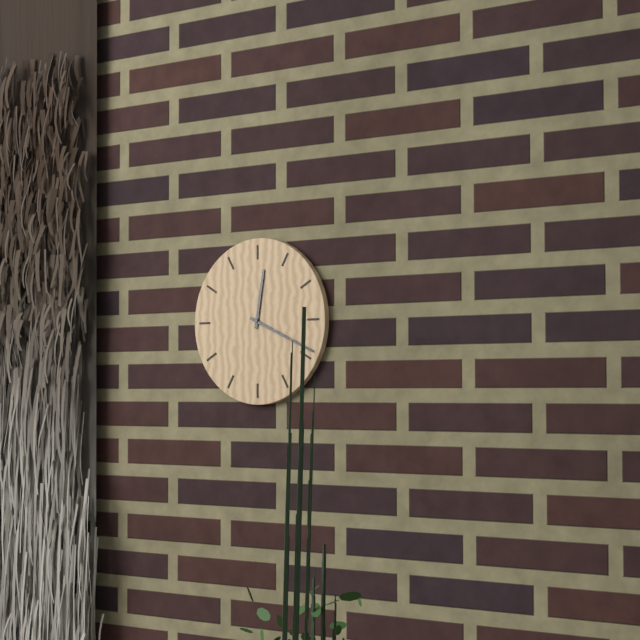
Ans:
12,19
